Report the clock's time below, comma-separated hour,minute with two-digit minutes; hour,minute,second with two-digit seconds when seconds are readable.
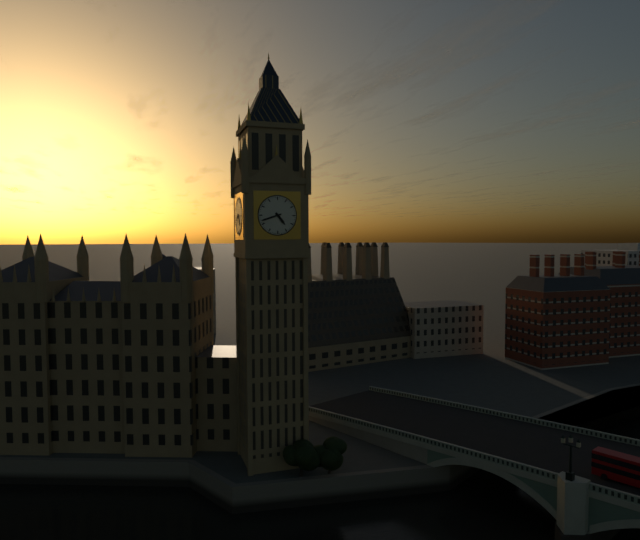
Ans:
4,42
